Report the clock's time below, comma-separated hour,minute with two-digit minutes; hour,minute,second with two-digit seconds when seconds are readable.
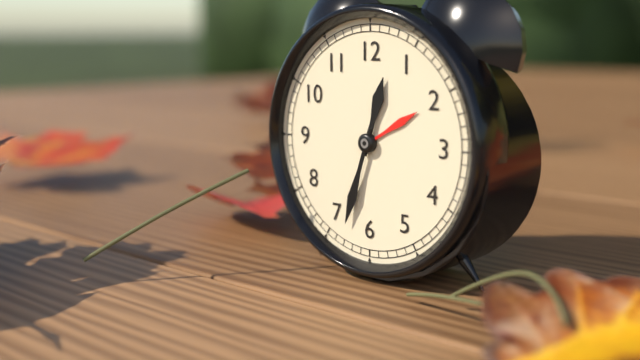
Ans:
12,33
